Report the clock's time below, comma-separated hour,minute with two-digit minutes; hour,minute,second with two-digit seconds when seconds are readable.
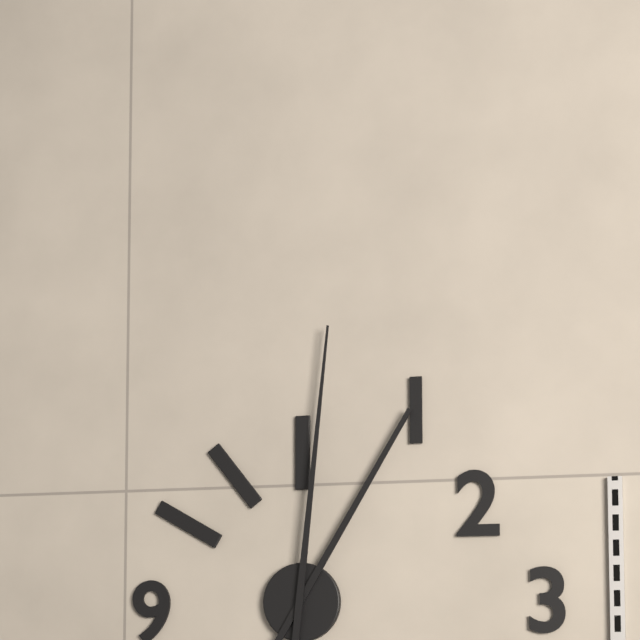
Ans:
1,01
